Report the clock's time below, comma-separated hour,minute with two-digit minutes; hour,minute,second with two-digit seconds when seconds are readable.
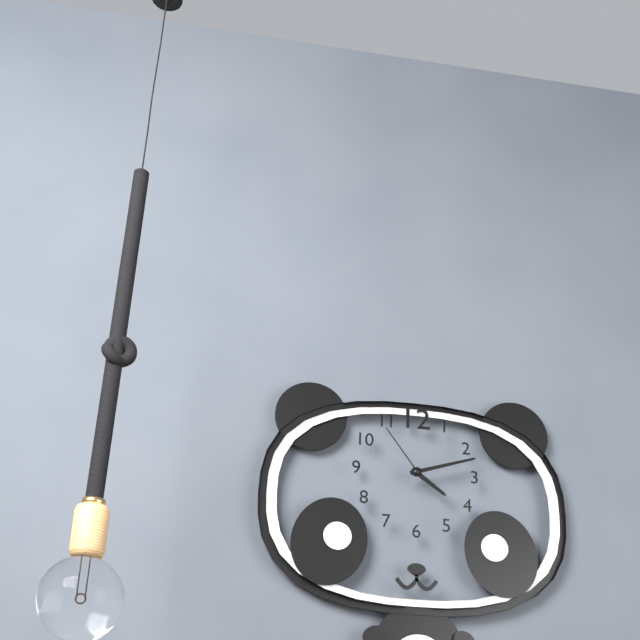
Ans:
4,12,54
